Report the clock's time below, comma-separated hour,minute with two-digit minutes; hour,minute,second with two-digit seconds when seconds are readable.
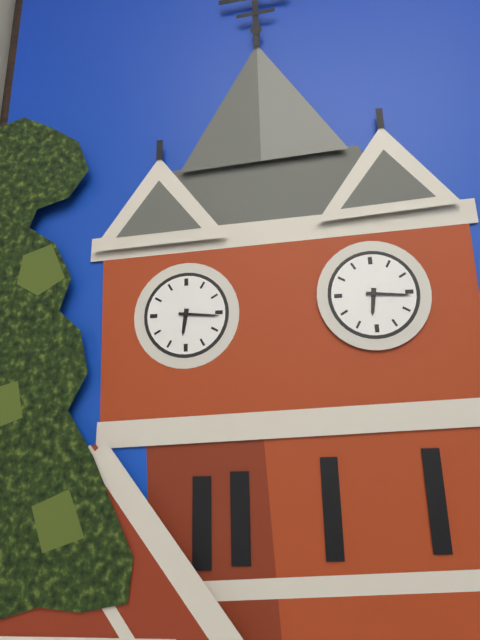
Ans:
6,16
